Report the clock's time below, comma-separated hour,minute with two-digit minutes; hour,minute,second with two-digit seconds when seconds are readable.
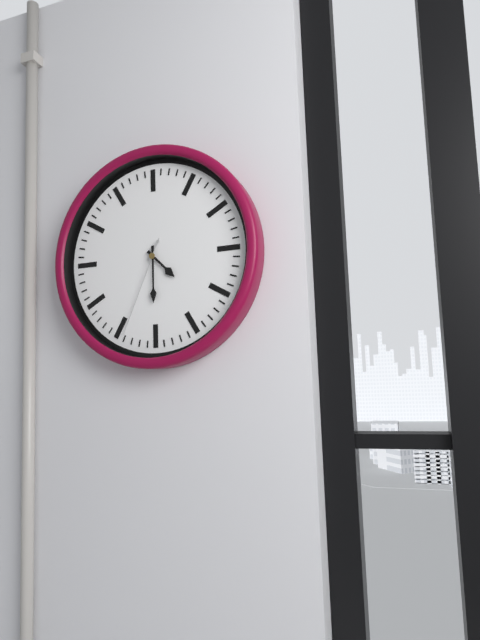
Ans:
4,30,34
